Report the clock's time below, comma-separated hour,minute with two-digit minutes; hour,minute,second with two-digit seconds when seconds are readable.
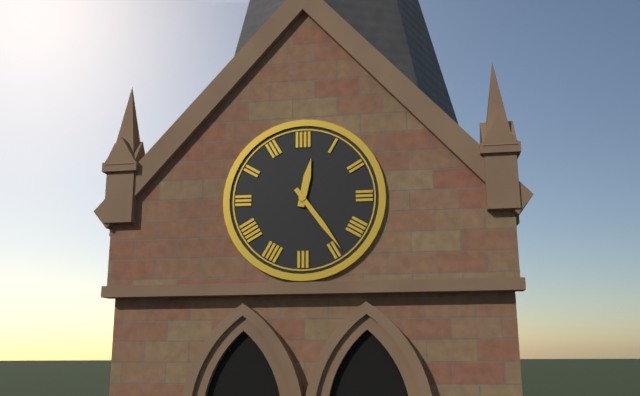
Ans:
12,24
